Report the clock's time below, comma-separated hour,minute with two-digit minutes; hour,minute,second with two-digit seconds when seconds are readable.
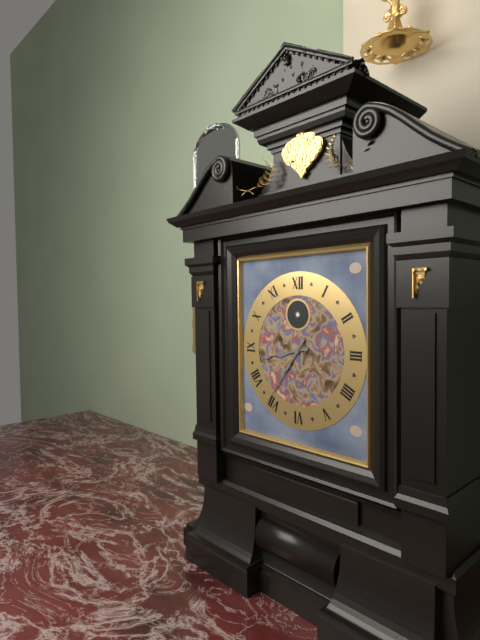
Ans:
8,36
